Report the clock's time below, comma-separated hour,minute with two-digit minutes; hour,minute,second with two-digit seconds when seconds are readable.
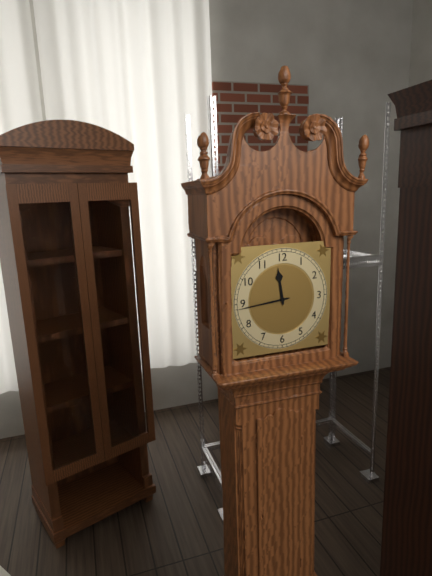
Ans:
11,44
